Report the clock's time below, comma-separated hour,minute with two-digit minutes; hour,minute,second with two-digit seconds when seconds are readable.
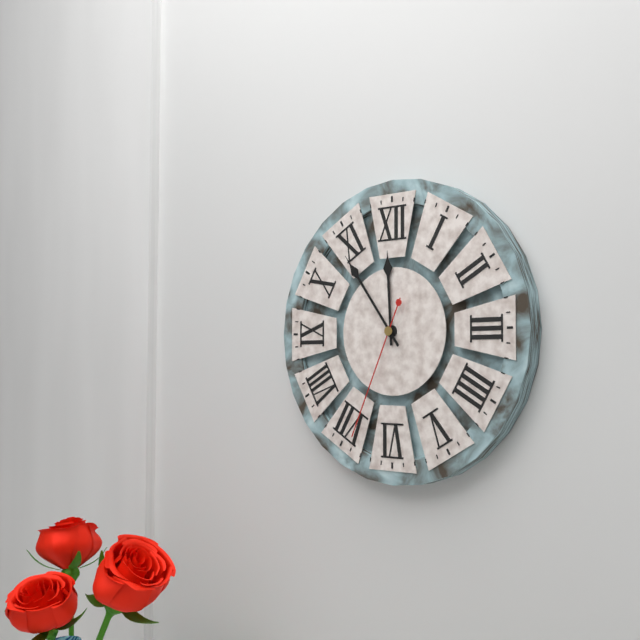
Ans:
11,54,34
